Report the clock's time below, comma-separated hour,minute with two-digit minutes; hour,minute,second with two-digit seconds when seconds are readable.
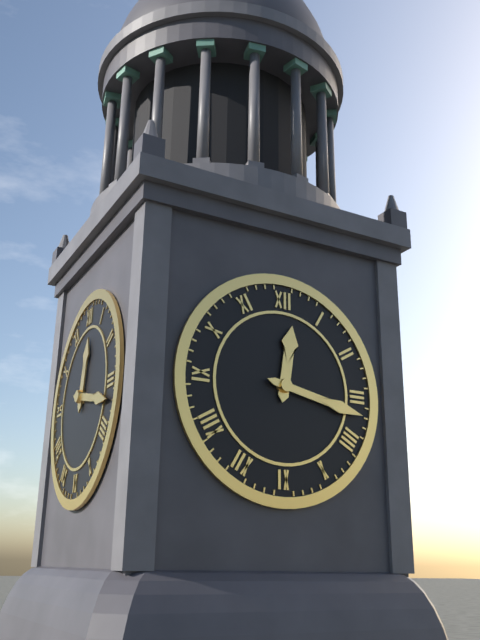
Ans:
12,17
